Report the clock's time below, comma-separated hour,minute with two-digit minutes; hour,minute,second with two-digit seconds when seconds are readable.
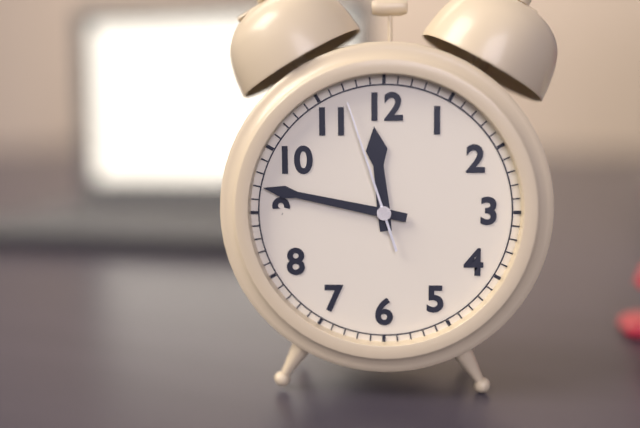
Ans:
11,47,57
